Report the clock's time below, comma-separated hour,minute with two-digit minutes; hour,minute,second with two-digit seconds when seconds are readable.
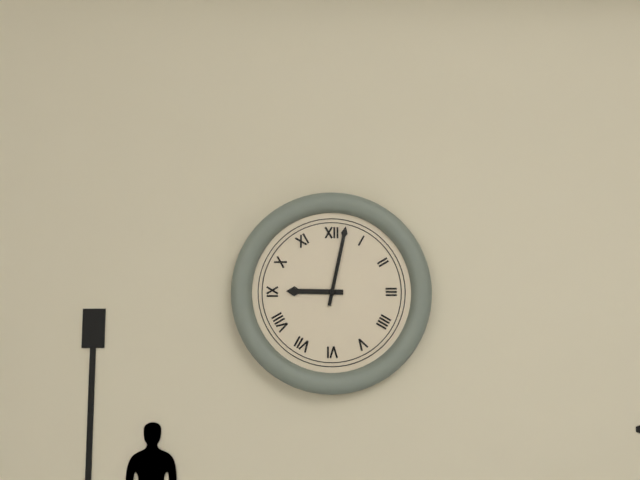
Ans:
9,02
